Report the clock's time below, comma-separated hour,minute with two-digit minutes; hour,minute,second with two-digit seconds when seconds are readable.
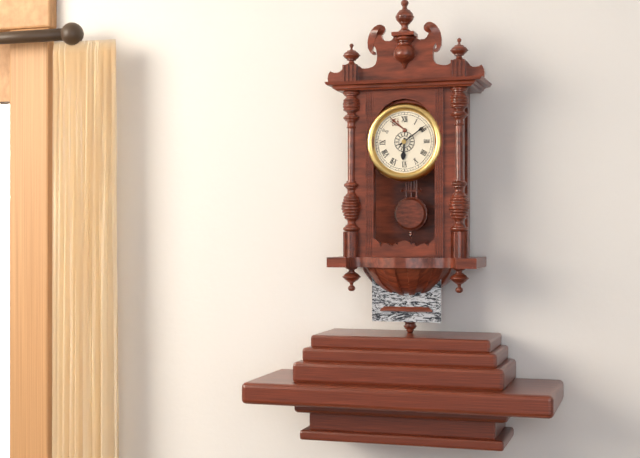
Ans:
6,09
